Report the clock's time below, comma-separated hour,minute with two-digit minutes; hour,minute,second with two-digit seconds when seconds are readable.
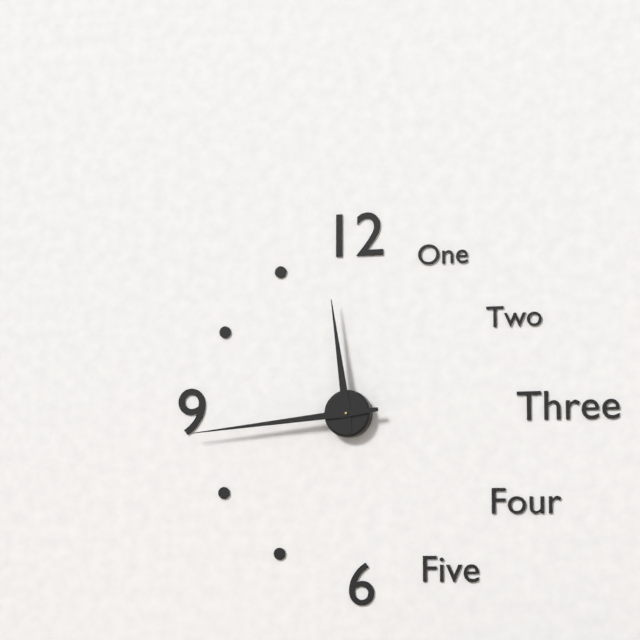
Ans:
11,44
